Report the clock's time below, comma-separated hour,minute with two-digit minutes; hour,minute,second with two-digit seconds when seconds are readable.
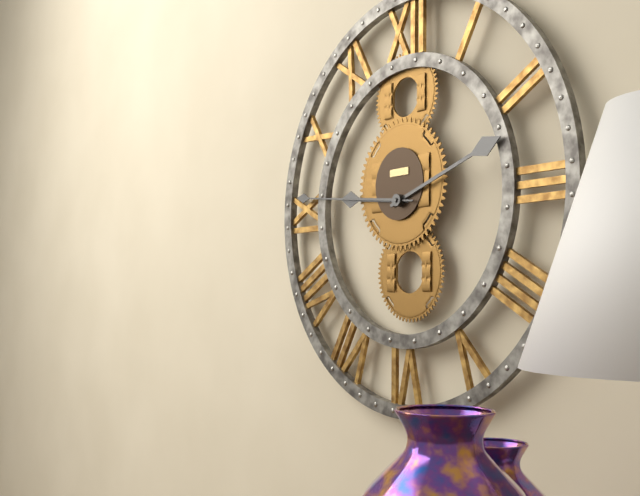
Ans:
9,12,46
